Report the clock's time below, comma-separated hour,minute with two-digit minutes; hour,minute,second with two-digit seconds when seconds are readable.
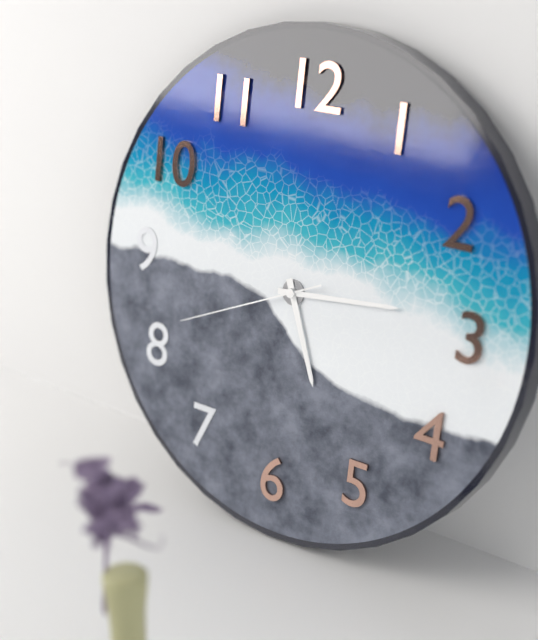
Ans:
5,14,41
